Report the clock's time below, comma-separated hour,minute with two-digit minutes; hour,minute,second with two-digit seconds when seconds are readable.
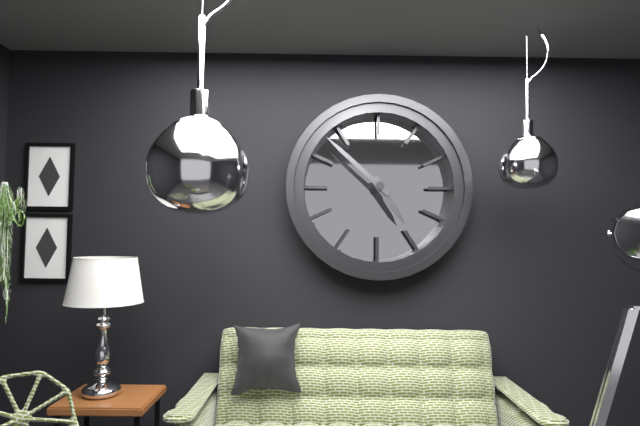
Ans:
4,52
